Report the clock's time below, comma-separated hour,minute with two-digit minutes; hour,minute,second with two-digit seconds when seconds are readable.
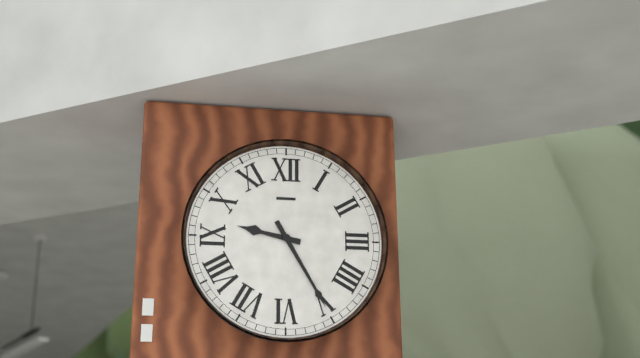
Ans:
9,25
